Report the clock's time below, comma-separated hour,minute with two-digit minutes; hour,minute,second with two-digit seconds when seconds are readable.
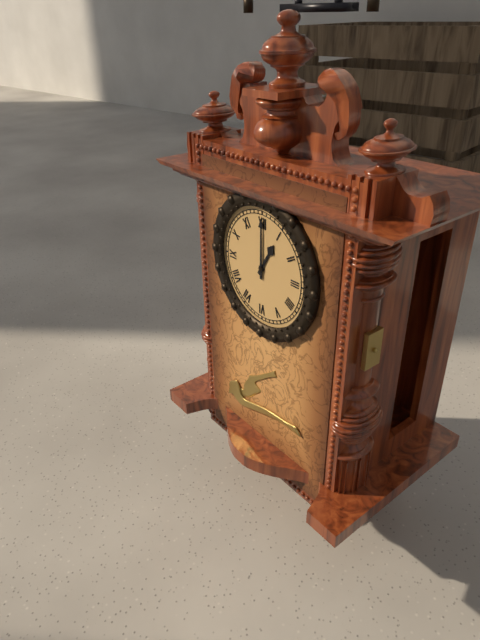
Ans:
1,00
